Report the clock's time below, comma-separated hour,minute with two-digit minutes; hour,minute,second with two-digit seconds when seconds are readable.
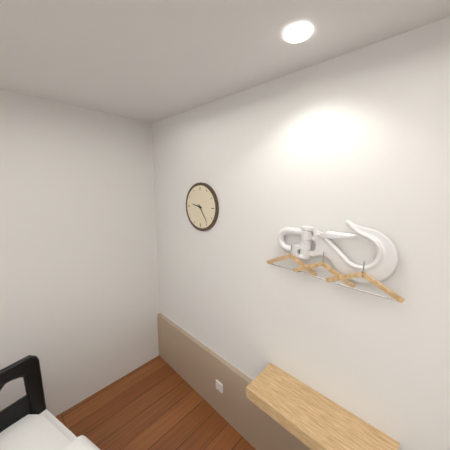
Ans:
9,24
